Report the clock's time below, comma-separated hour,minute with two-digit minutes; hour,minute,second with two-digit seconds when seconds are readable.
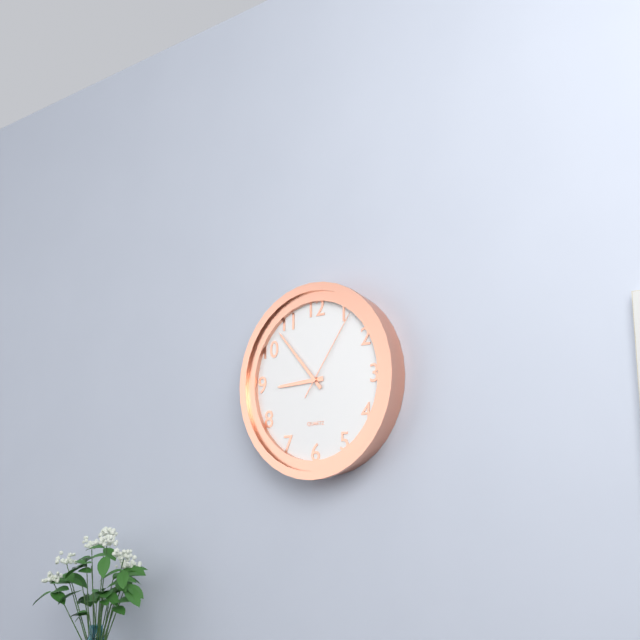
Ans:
8,53,06
